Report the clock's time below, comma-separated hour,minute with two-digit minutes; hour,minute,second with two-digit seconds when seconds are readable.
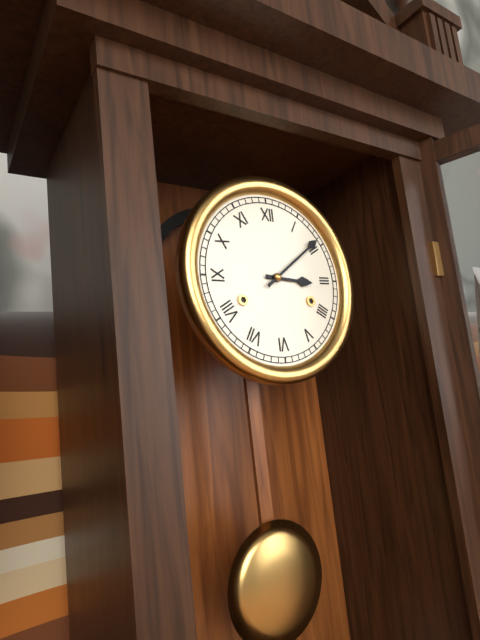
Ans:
3,09
